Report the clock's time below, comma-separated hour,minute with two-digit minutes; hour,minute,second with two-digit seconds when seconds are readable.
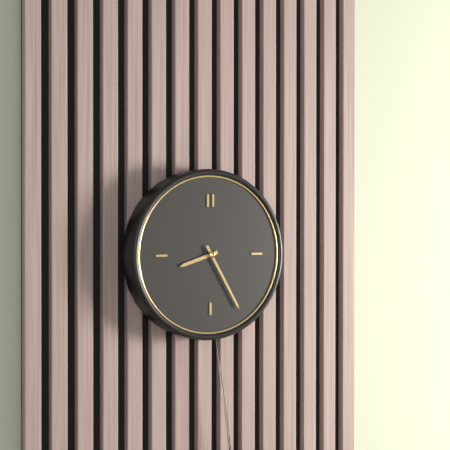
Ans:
8,25
